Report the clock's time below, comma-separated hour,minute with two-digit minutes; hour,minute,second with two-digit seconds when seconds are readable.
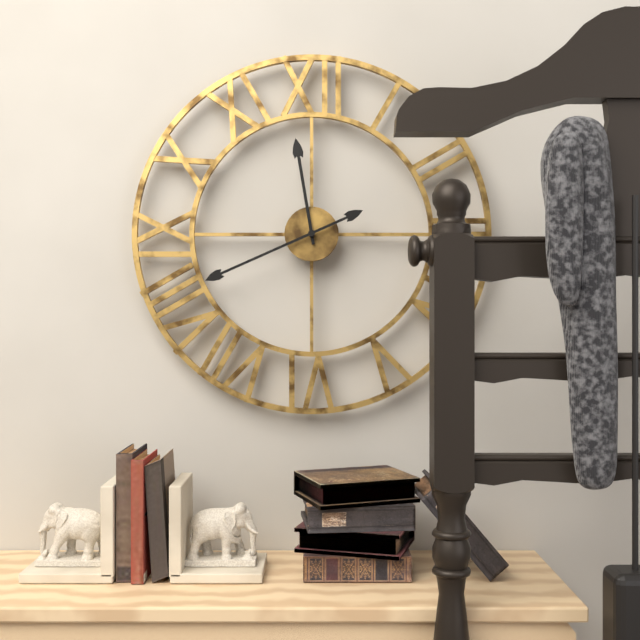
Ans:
11,41
